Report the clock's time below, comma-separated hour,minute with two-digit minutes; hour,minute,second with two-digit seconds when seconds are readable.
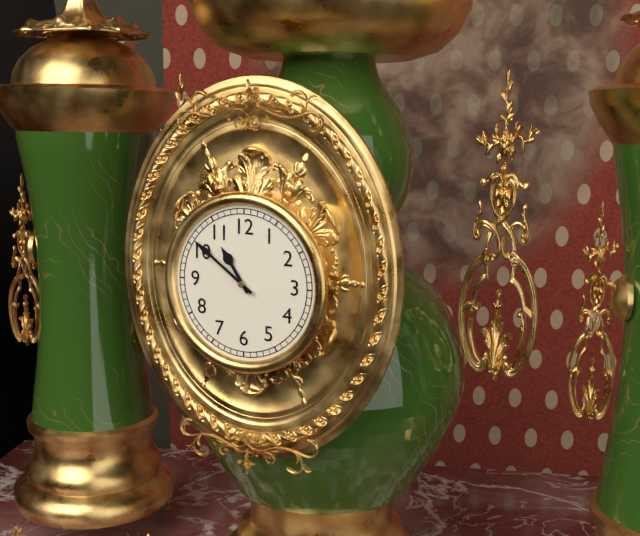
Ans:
10,51
